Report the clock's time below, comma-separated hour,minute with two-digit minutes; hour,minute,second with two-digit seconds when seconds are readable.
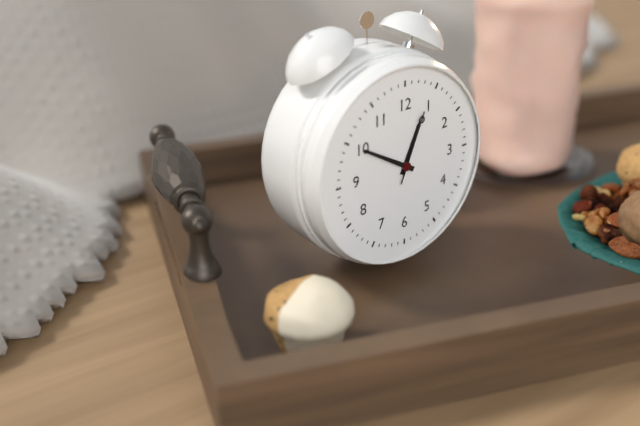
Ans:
12,50,04
